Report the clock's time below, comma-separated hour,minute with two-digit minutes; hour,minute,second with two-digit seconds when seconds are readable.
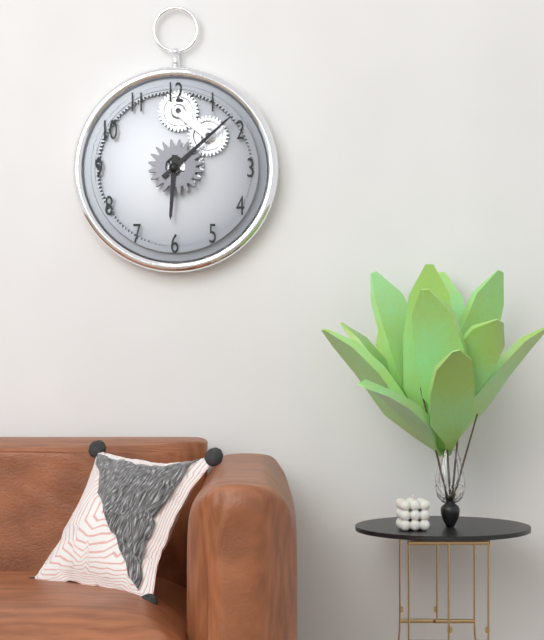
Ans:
6,08
